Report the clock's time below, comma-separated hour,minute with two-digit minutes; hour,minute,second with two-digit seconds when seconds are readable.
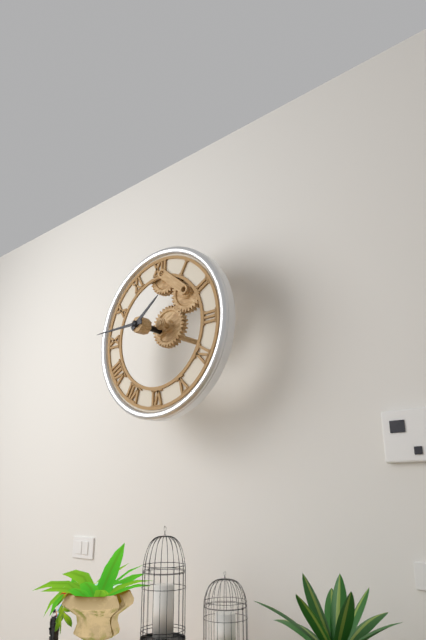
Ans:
1,45
